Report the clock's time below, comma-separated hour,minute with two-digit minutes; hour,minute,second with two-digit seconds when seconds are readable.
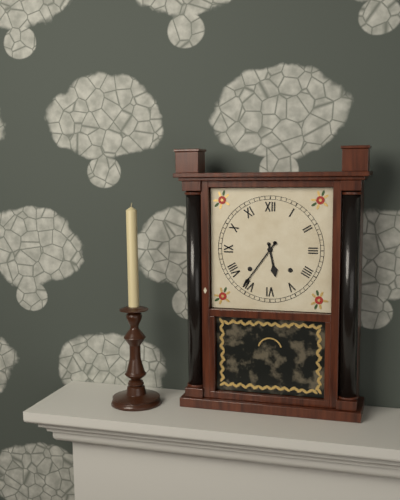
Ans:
5,36
